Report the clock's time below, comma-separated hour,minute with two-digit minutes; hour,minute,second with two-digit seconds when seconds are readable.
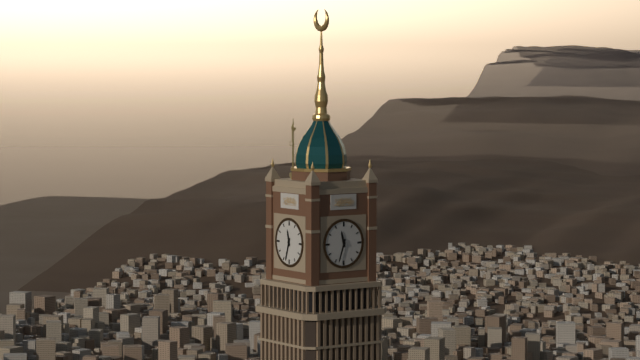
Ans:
11,33
